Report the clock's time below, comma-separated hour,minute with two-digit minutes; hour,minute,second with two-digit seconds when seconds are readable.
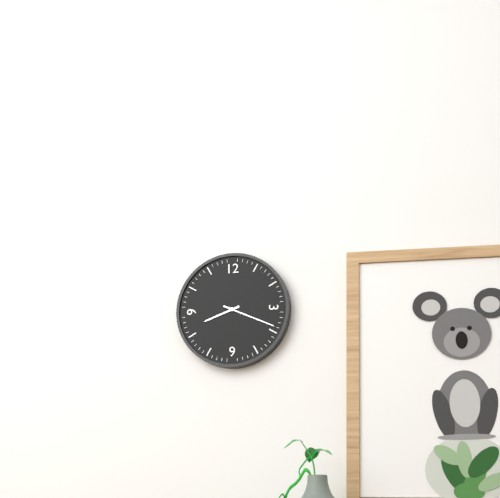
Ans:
8,19
